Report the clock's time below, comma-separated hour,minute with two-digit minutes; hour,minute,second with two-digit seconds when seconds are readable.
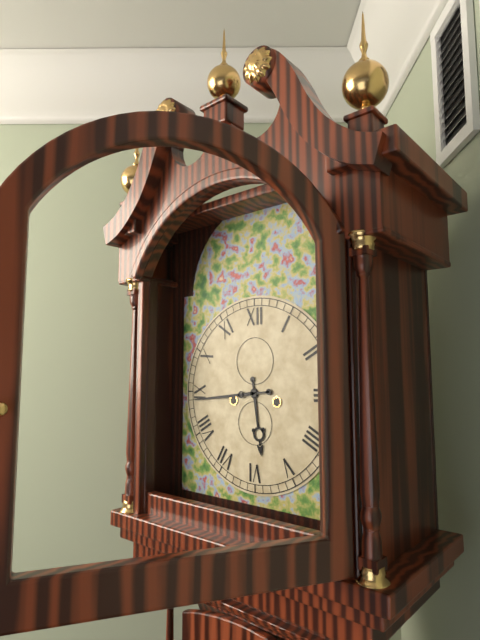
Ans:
5,44
